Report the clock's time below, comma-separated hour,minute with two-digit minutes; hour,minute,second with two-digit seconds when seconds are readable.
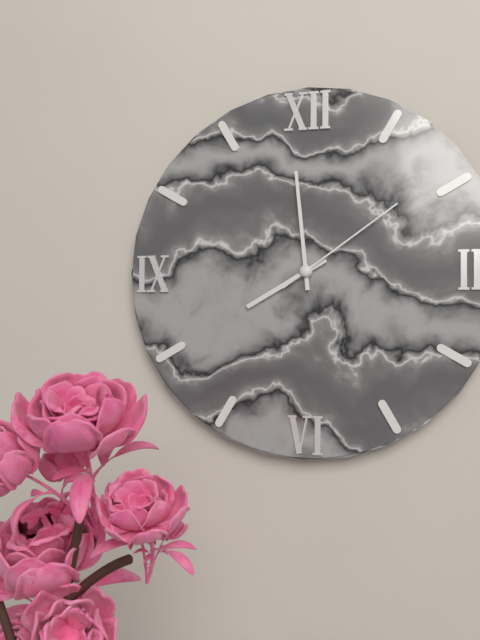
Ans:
7,59,09
